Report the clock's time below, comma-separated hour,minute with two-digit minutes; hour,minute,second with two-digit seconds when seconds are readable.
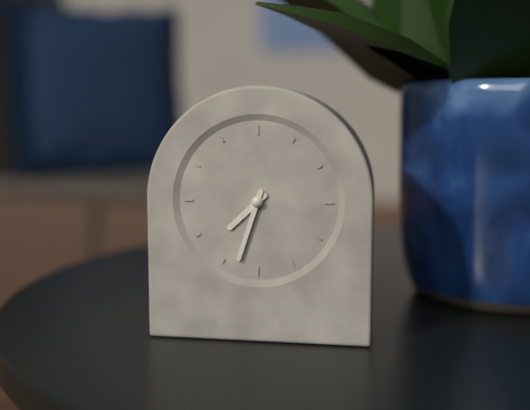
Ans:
7,33
